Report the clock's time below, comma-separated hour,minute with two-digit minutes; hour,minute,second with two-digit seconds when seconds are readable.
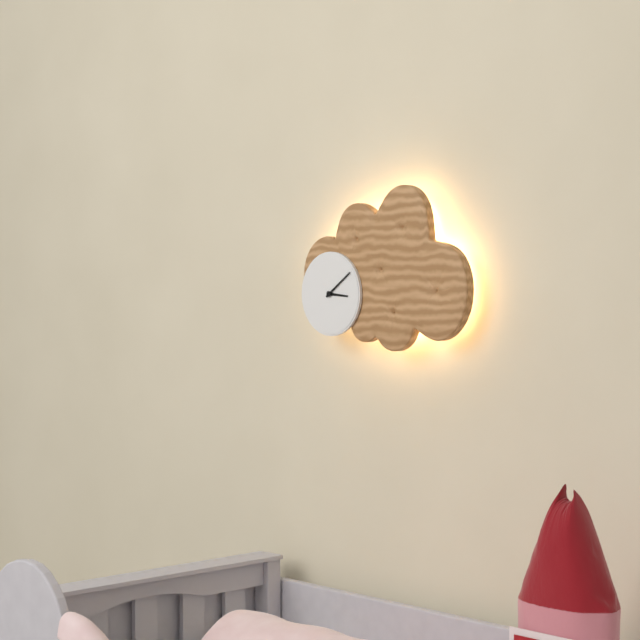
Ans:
3,09
